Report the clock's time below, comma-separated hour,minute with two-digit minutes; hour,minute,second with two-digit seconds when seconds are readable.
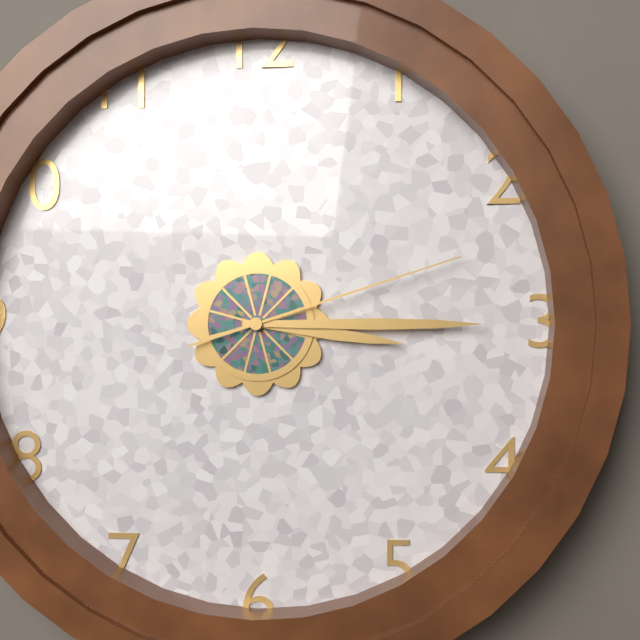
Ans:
3,15,12
